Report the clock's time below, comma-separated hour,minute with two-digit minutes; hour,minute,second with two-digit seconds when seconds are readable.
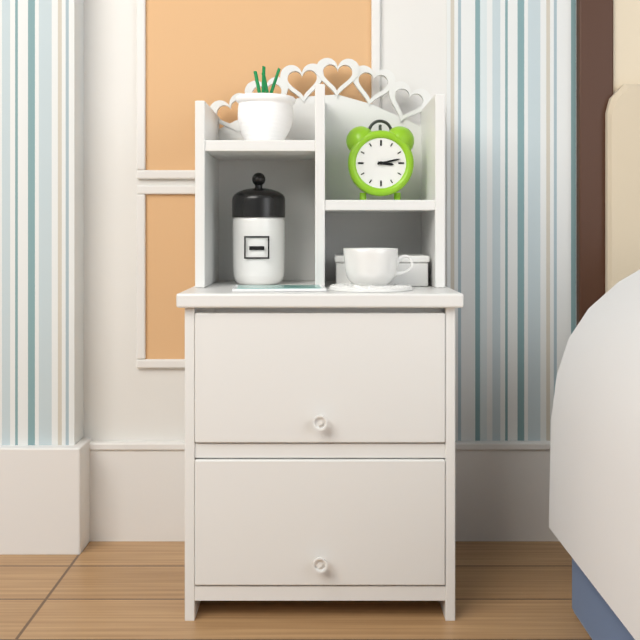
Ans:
3,13
